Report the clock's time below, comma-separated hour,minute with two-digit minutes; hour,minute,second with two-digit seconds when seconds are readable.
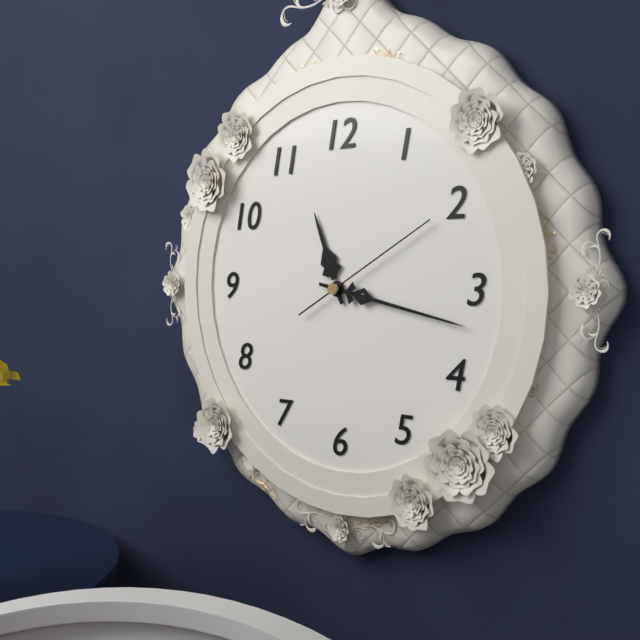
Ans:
11,17,10
